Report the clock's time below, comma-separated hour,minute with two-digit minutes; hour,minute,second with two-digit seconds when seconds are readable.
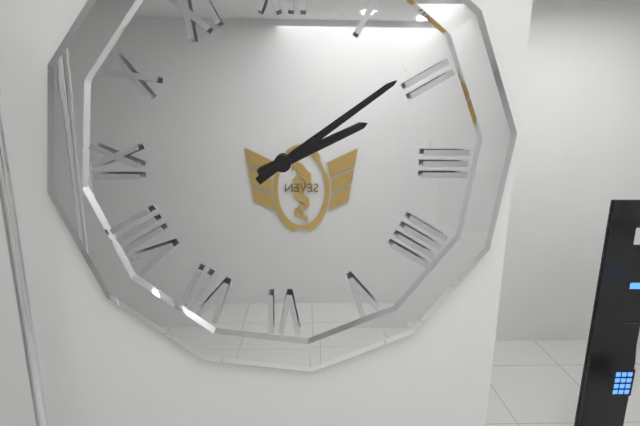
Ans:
2,09
